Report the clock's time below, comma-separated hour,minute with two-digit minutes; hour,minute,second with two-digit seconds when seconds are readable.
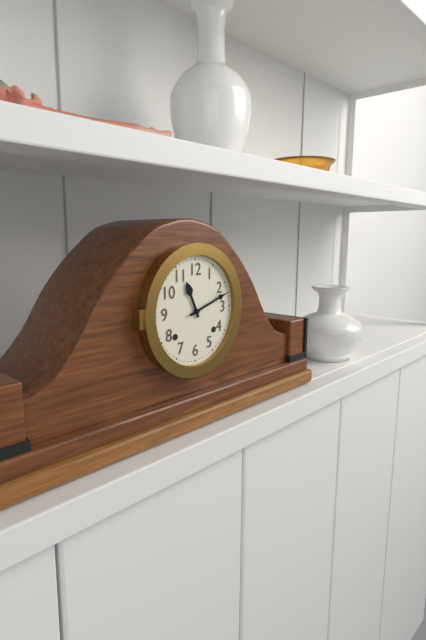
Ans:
11,12
